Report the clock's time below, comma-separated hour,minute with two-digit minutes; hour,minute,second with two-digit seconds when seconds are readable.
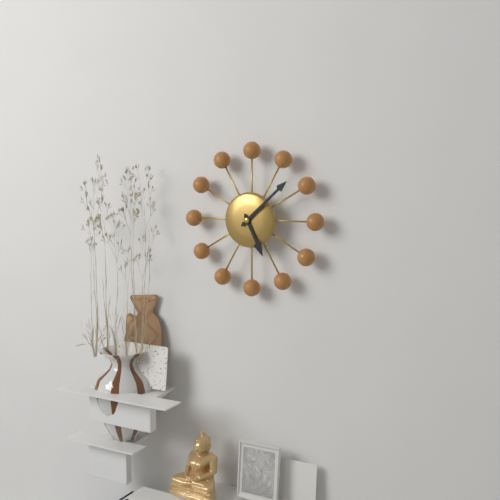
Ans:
5,08
